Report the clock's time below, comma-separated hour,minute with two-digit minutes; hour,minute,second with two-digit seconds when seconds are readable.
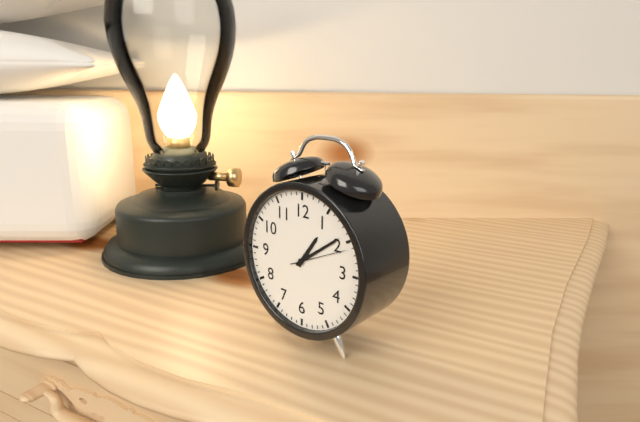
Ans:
1,09,11
